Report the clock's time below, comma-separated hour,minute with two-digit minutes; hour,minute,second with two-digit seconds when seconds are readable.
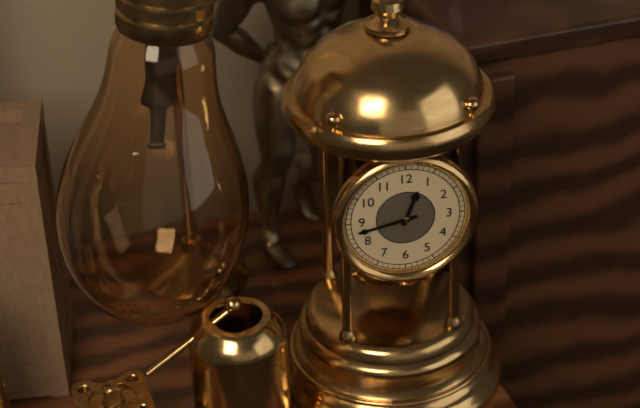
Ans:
12,43
